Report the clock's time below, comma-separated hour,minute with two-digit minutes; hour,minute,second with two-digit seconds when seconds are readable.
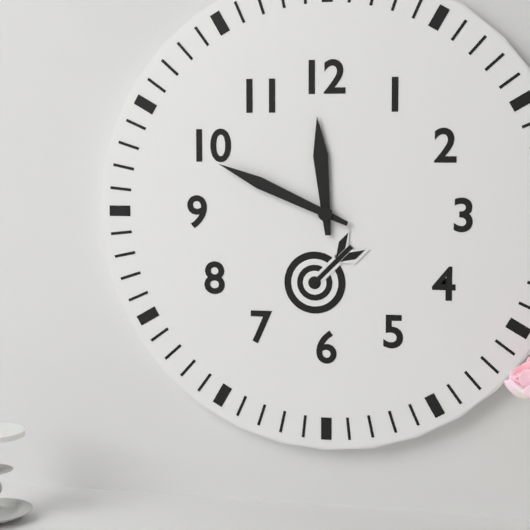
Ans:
11,49
